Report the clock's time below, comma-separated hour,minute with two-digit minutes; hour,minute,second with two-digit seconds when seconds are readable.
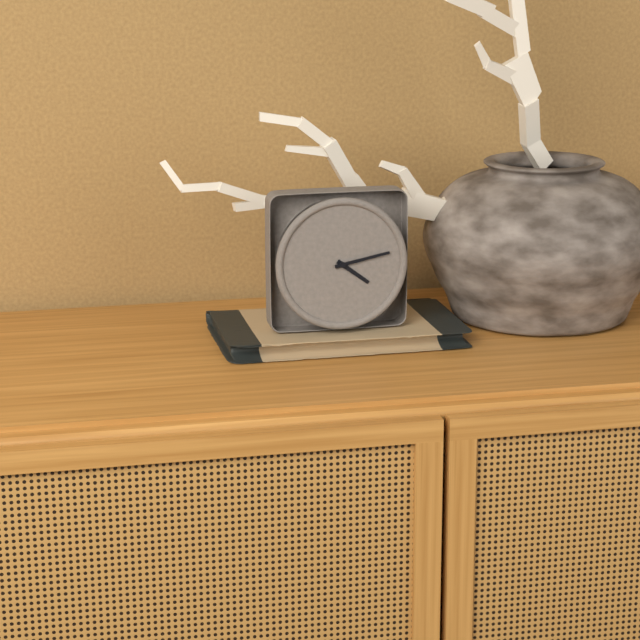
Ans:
4,13
